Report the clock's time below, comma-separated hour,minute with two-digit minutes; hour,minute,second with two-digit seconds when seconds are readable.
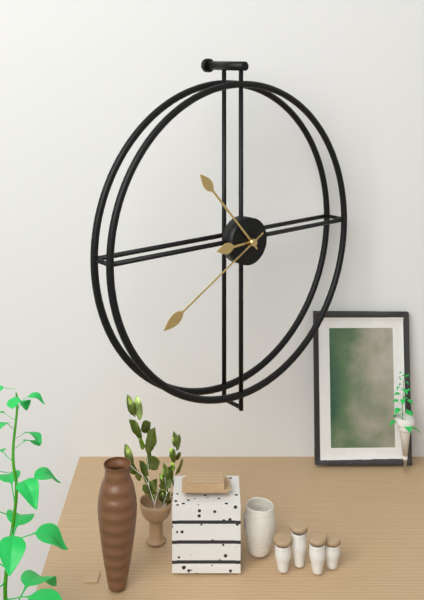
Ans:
8,53,40
